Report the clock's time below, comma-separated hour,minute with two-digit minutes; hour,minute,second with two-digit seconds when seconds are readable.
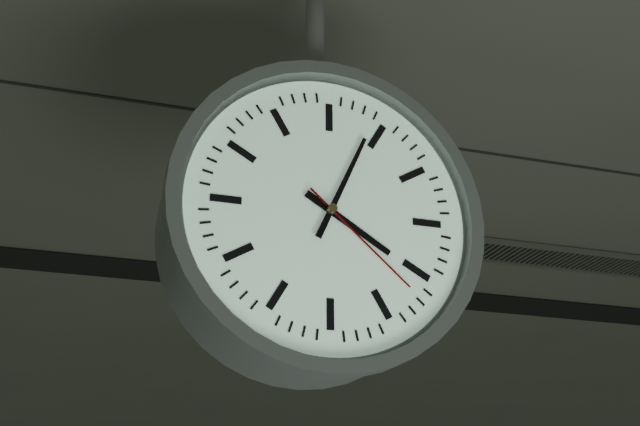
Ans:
4,04,22
